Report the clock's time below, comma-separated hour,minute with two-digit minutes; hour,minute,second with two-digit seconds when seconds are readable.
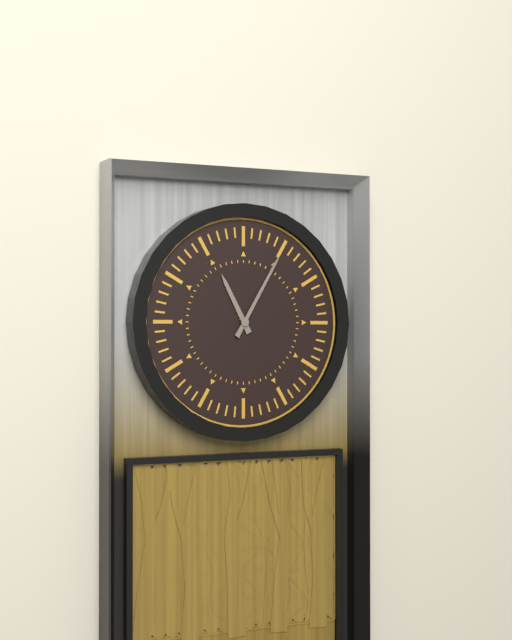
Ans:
11,05
